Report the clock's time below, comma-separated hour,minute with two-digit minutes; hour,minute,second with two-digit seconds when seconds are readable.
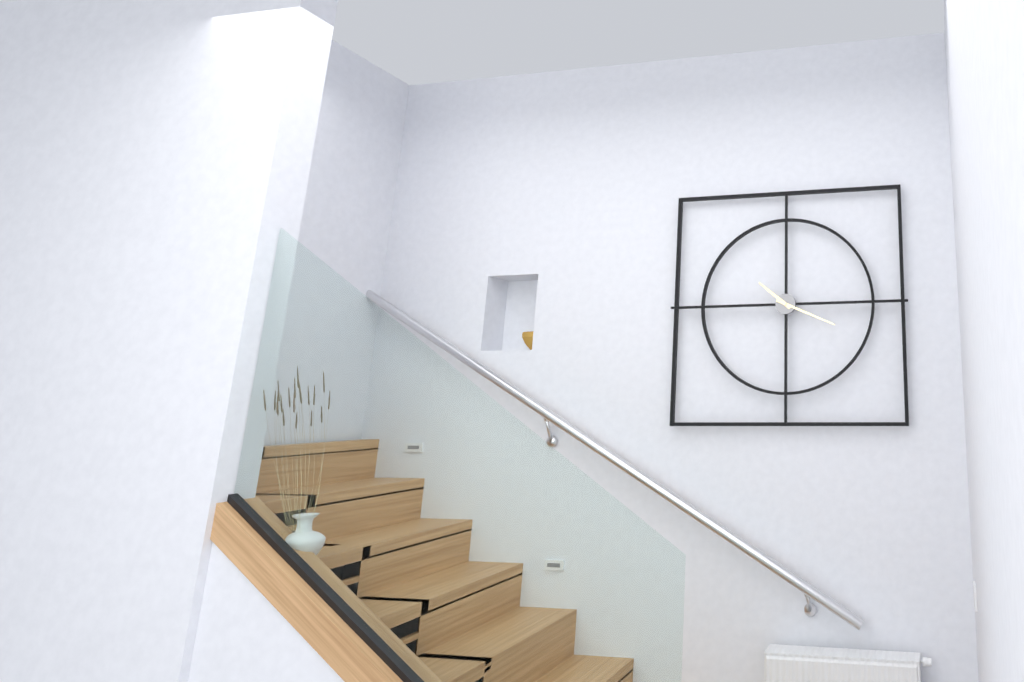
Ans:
10,19
